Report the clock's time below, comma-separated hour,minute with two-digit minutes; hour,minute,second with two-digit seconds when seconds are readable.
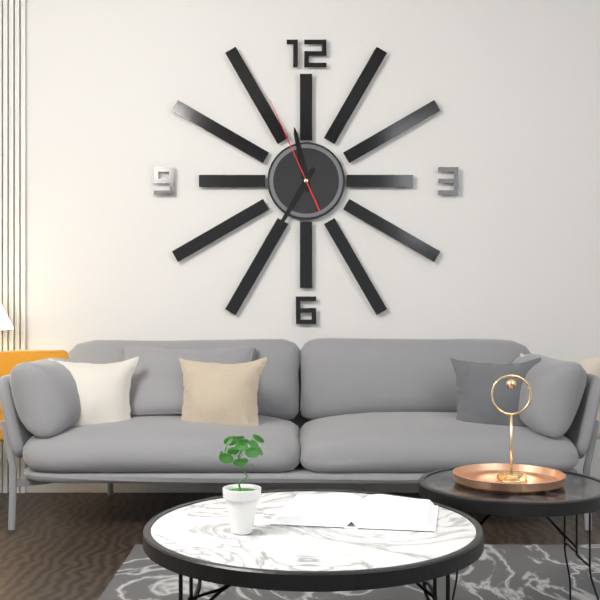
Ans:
11,35,56
